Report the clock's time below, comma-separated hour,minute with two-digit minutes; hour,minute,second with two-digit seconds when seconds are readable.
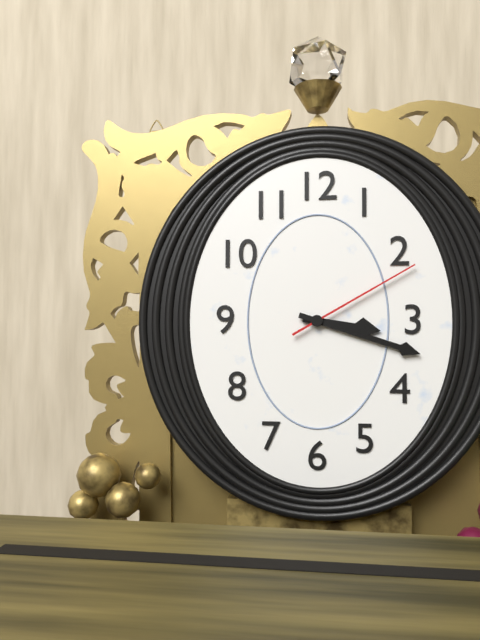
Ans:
3,18,10
